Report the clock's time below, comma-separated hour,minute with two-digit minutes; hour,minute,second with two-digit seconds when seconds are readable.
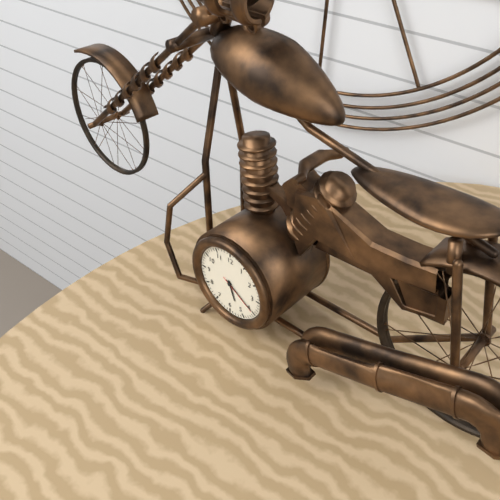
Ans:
5,20
